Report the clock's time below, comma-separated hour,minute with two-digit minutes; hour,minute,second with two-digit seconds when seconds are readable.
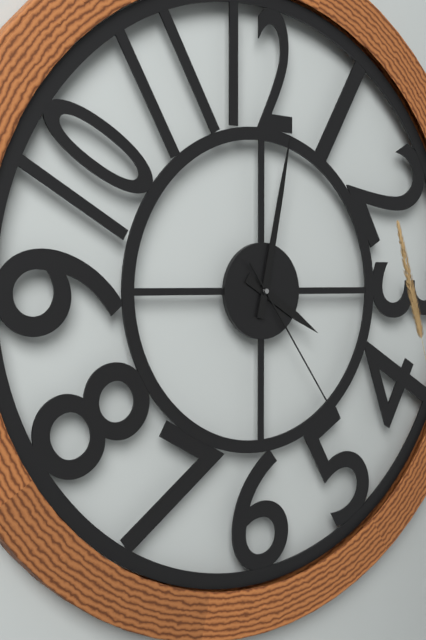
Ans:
4,02,24
